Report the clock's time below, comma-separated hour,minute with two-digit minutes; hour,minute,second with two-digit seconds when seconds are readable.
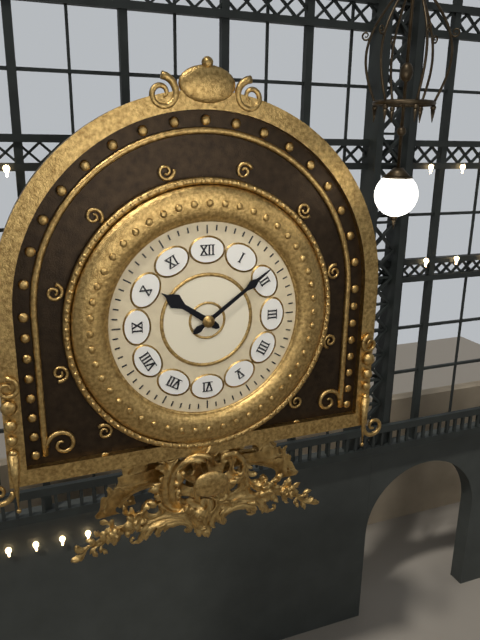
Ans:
10,09
